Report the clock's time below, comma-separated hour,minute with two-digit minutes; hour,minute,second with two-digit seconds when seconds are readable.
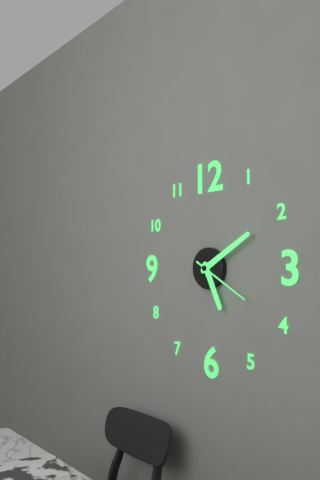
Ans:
5,10,20
